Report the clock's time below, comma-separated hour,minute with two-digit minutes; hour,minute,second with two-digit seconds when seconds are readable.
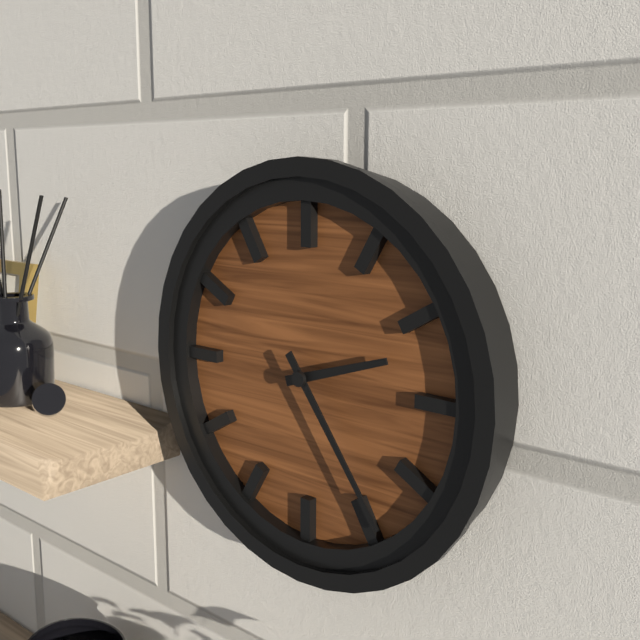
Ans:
2,24
